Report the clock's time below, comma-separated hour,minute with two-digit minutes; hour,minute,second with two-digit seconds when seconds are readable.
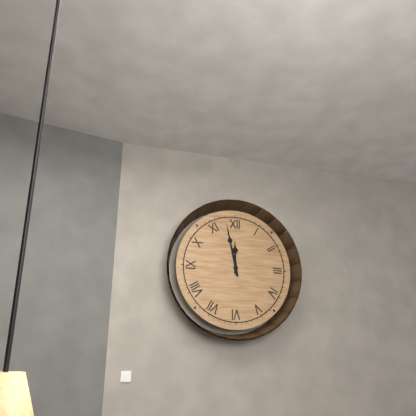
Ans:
11,58
